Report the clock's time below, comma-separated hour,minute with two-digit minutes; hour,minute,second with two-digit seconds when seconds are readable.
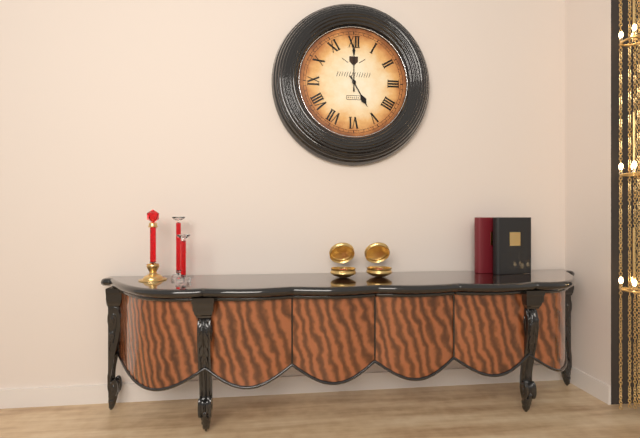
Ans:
5,00
